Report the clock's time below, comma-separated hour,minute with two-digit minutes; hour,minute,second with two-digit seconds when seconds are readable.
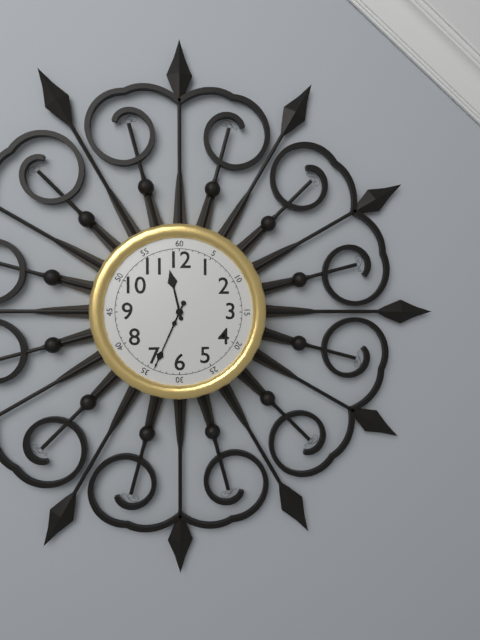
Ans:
11,34
